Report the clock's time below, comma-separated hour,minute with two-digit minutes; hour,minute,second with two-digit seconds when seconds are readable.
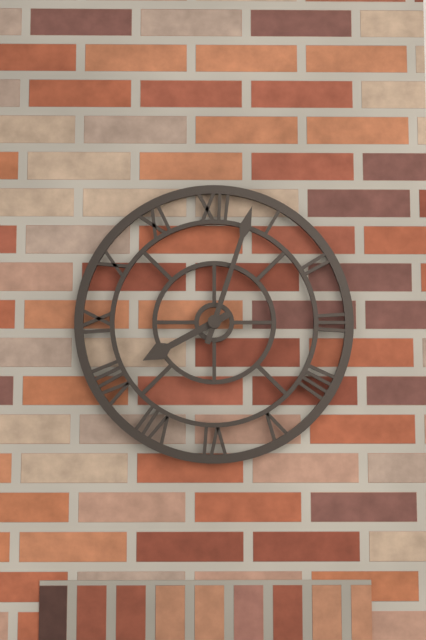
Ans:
8,03
